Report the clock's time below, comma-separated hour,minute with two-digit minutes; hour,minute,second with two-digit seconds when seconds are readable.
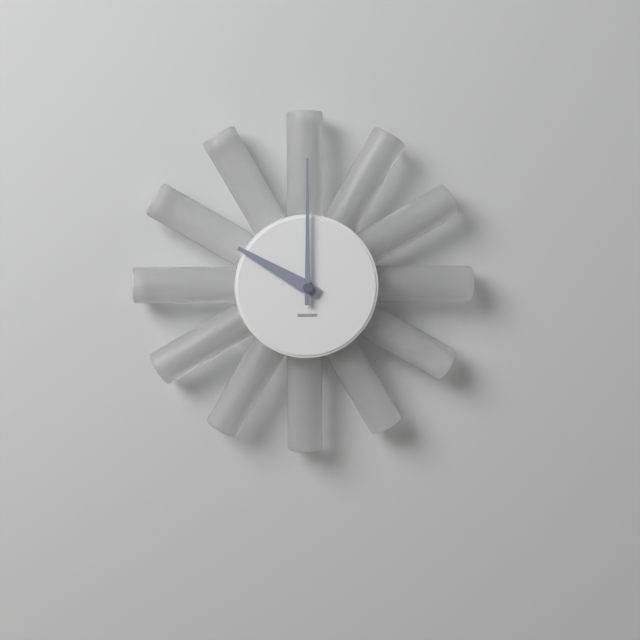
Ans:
10,00
